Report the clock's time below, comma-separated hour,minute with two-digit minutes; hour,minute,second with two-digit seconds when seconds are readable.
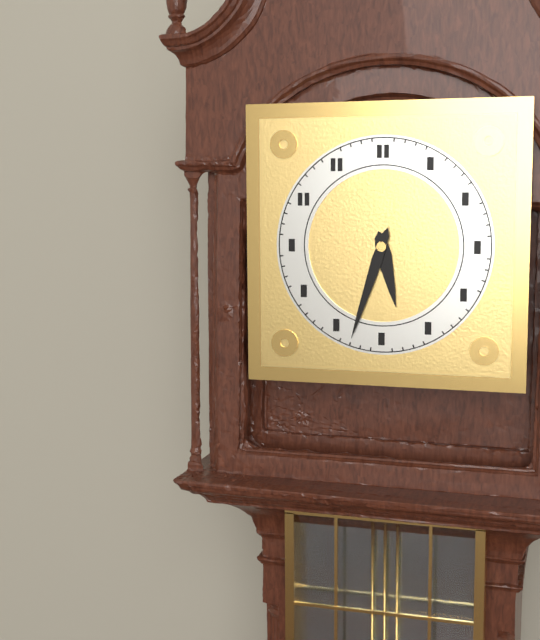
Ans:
5,33
